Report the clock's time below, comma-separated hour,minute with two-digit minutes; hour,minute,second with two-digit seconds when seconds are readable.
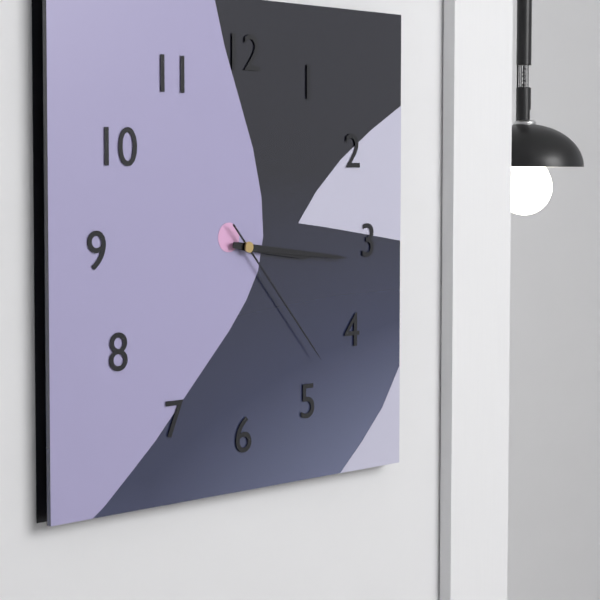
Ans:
3,16,23
